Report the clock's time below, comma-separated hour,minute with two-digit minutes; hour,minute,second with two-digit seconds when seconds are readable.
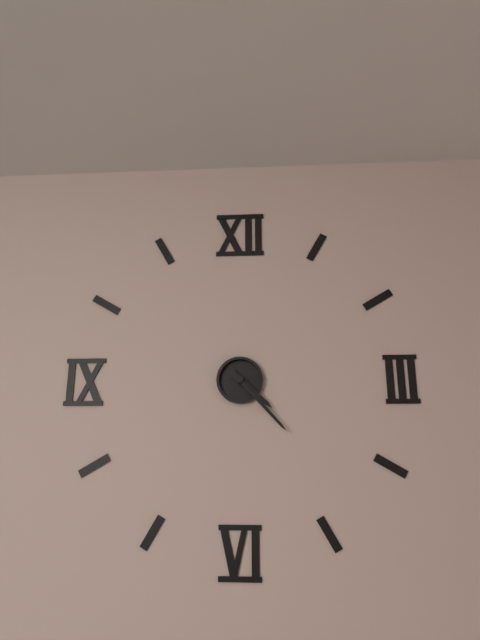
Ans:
4,23
